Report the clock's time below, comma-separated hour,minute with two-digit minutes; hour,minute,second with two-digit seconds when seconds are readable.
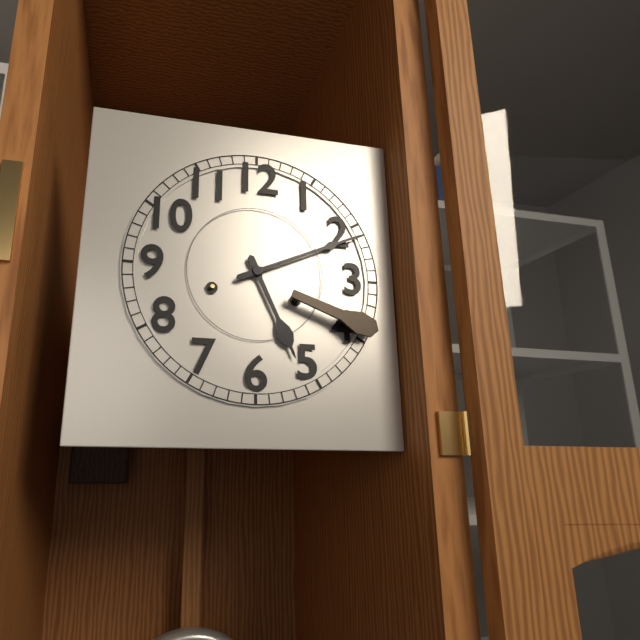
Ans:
5,11
